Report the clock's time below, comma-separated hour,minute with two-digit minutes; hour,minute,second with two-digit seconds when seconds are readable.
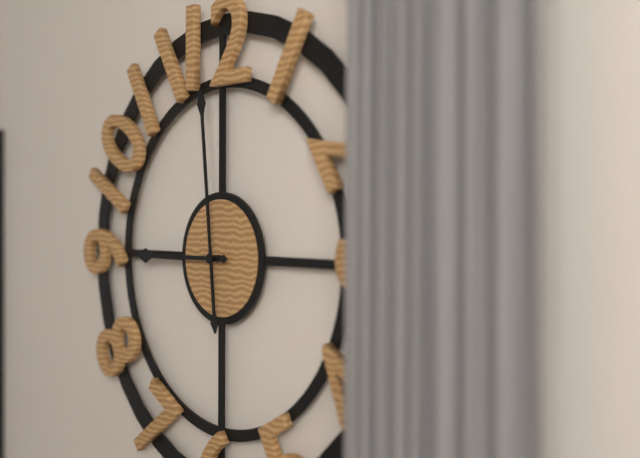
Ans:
8,59
